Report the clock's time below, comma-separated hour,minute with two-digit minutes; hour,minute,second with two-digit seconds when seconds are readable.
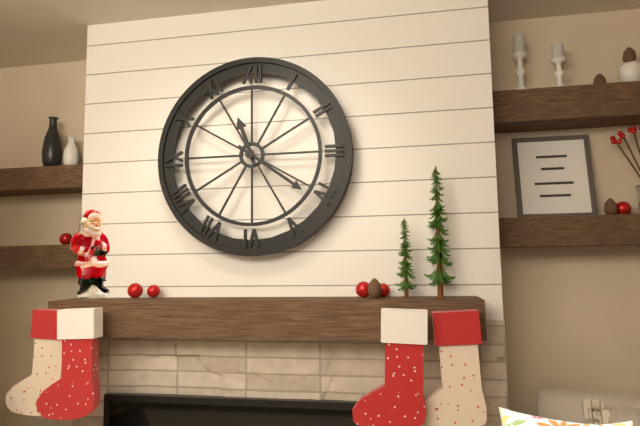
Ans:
11,21
